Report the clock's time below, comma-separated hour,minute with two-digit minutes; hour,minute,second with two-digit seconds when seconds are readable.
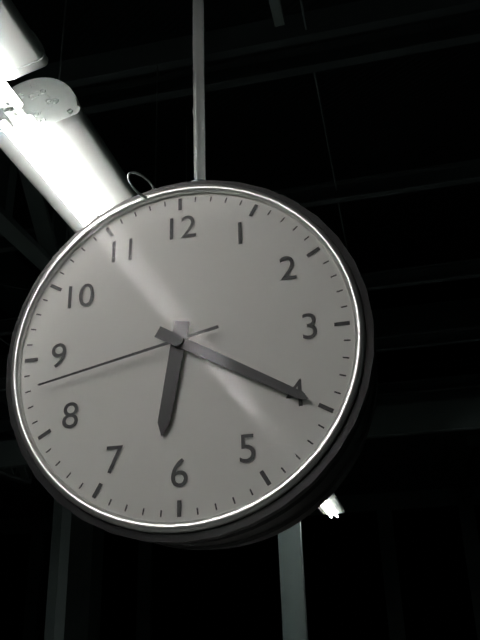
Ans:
6,20,43
